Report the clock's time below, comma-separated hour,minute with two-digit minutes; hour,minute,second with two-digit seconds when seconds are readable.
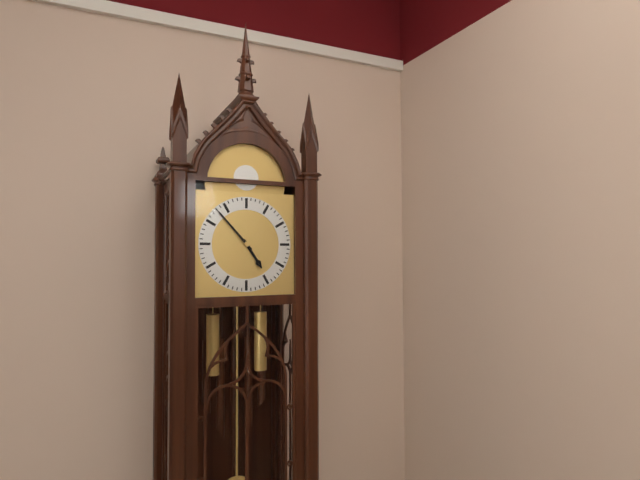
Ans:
4,53
